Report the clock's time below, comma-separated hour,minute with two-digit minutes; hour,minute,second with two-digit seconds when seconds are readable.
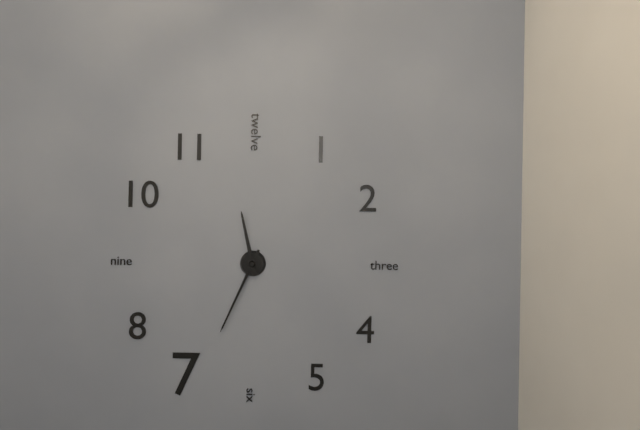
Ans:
11,34
